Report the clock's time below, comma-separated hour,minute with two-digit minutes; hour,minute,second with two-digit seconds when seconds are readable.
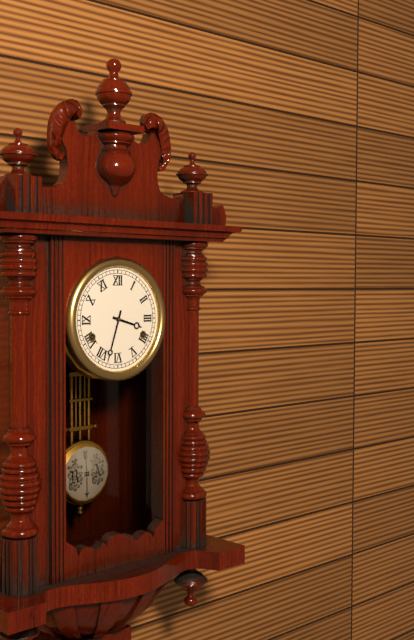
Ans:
3,33
